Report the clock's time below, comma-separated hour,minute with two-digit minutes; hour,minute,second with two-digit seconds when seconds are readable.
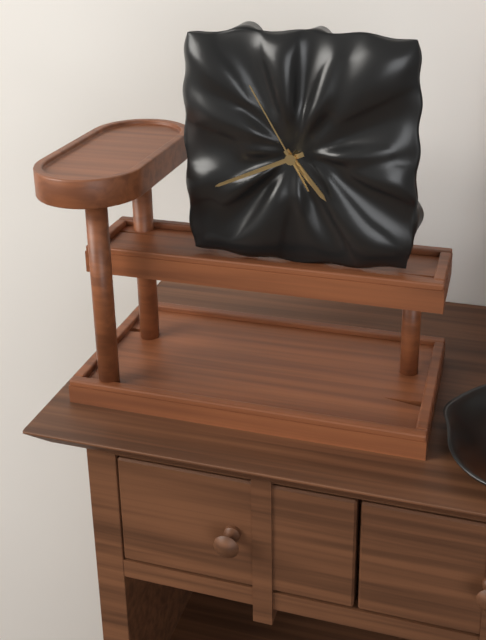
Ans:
4,41,55
